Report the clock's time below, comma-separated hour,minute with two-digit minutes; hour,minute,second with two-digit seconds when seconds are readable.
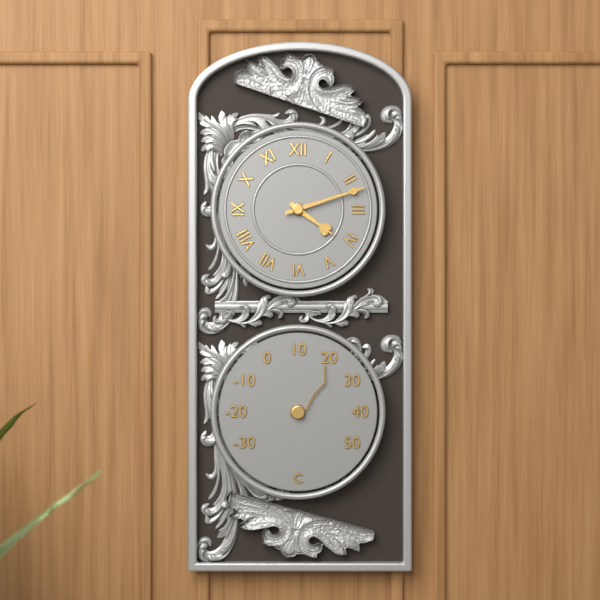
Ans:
4,12
